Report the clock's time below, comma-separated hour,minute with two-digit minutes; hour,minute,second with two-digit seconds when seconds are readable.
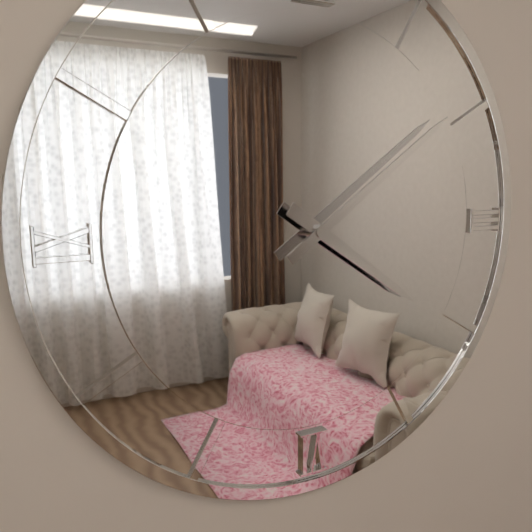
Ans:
4,09
